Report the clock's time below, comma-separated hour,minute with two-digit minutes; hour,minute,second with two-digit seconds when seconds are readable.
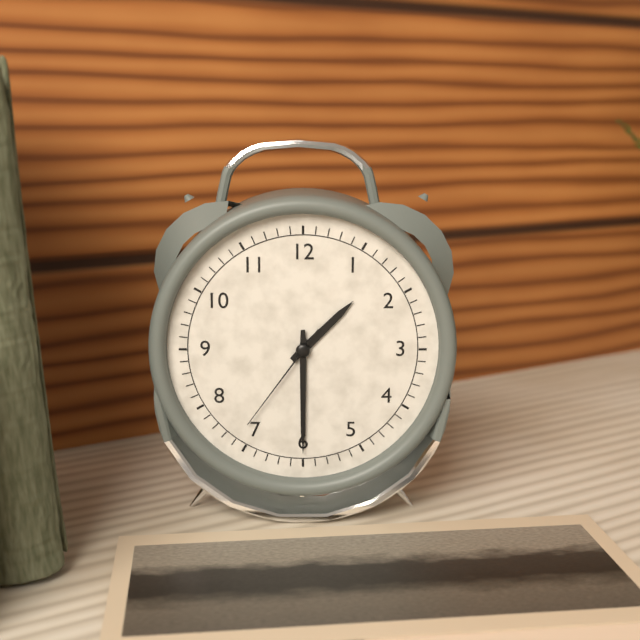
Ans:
1,30,36
